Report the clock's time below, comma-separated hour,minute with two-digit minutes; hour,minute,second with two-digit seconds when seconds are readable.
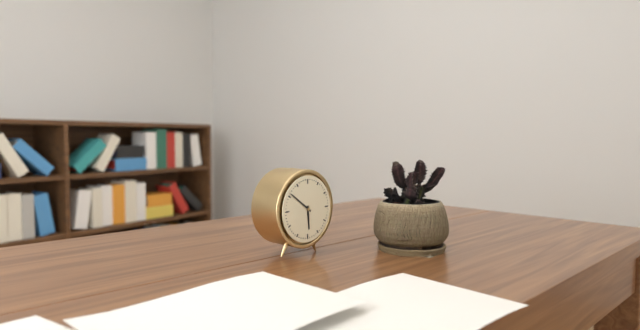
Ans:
5,51
